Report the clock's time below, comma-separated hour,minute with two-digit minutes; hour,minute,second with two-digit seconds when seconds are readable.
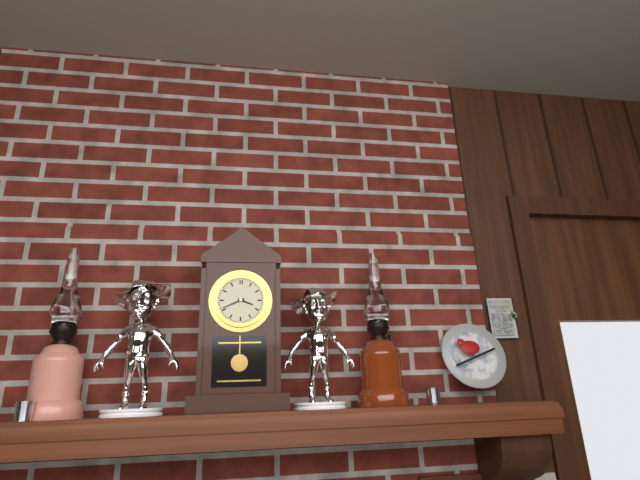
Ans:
3,41
